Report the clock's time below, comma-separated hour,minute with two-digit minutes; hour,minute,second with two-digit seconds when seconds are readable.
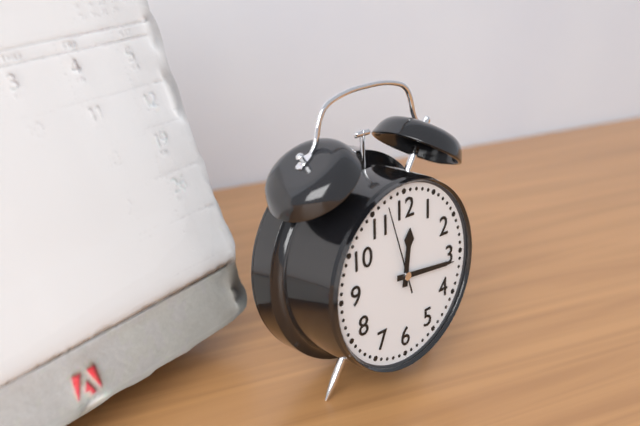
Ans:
12,16,57
